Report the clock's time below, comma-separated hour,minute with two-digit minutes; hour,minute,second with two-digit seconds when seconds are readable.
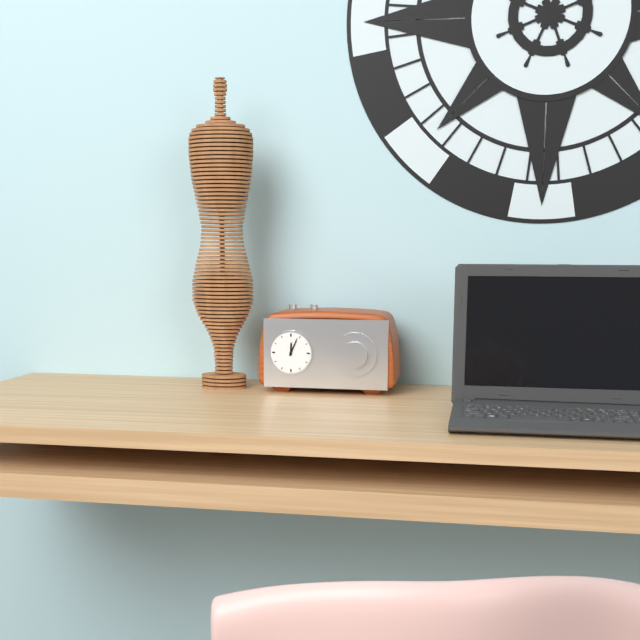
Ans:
12,04
